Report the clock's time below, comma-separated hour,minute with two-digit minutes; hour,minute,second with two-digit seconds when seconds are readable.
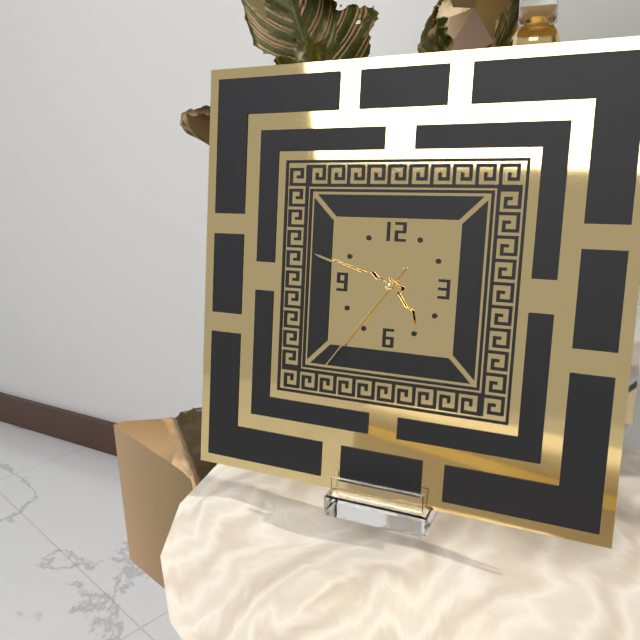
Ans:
4,48,36
